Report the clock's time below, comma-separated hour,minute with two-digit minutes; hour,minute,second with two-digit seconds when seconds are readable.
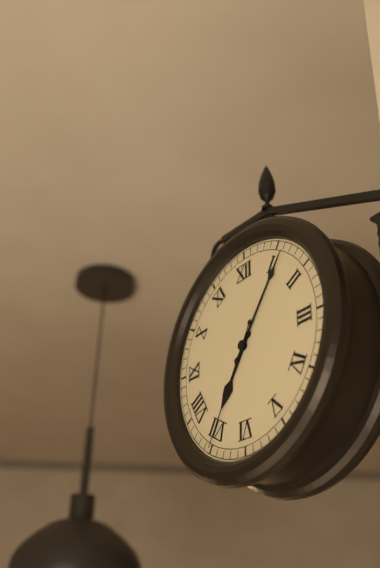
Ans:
7,06,35
